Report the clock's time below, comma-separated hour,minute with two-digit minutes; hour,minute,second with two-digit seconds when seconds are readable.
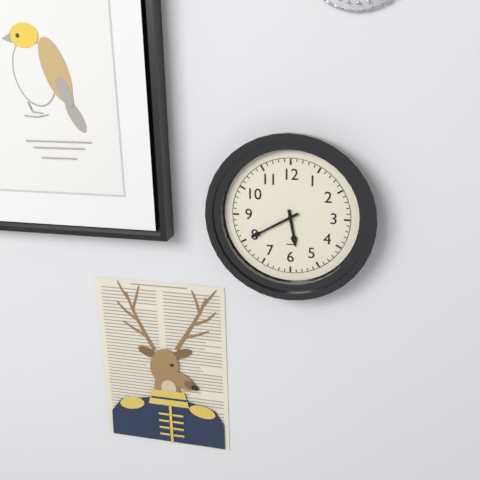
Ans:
5,40
